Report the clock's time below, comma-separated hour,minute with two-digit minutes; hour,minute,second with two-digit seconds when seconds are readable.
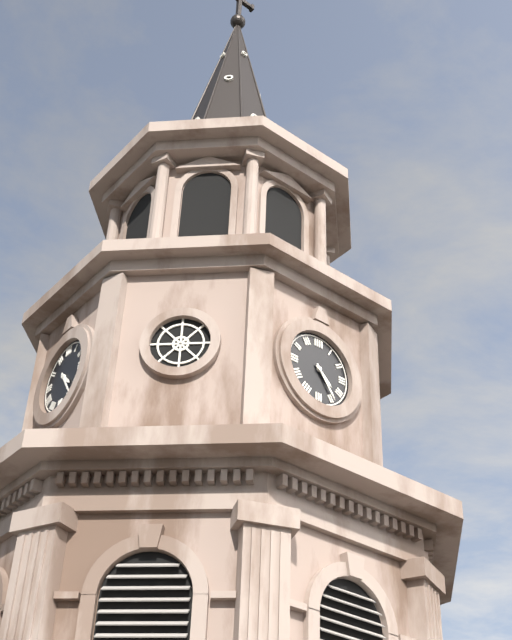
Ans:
4,24
